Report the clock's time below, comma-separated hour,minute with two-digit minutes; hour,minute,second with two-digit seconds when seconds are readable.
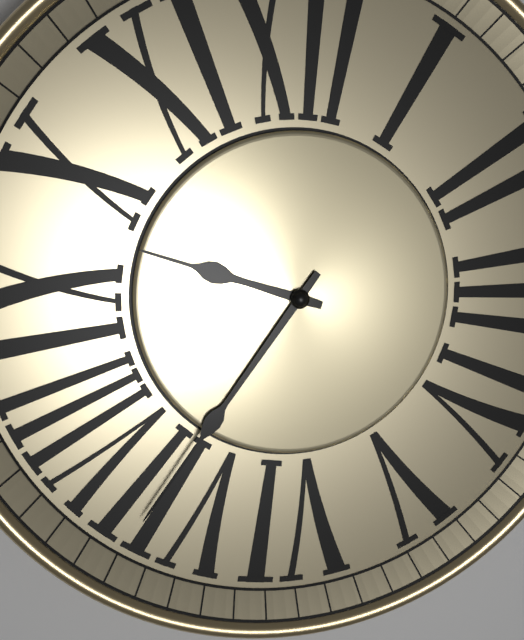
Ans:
9,36
